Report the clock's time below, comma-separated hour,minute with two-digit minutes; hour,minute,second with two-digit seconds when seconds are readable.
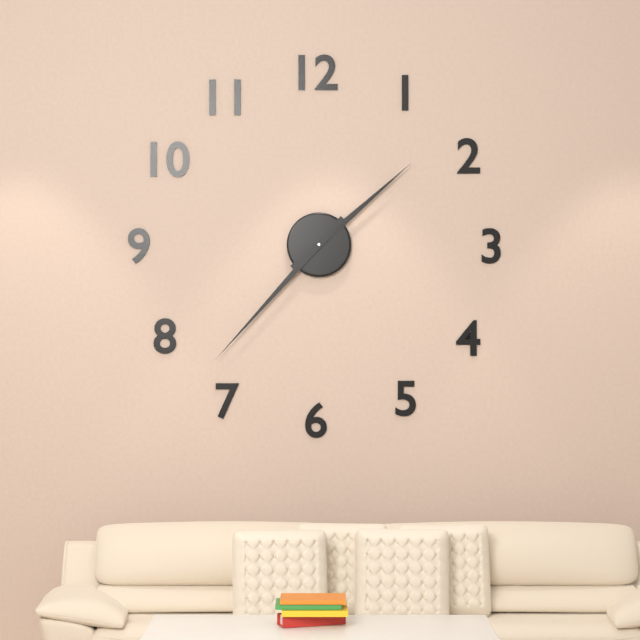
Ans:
1,37
